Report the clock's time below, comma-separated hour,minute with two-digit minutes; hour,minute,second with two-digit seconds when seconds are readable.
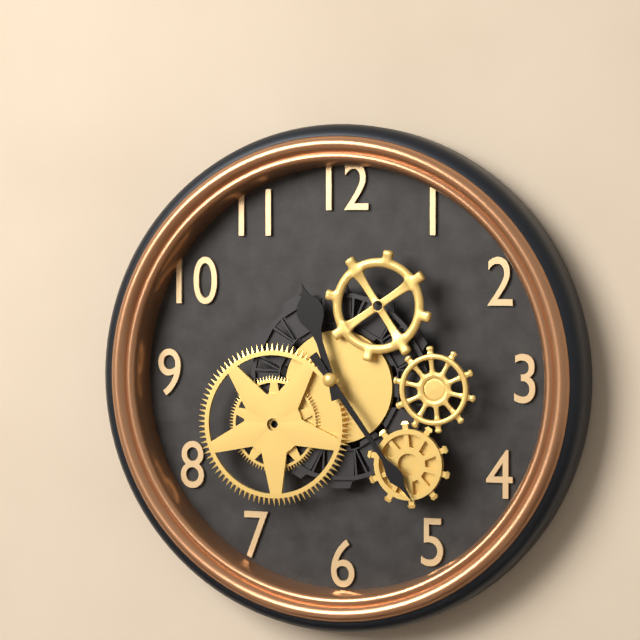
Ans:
11,24
